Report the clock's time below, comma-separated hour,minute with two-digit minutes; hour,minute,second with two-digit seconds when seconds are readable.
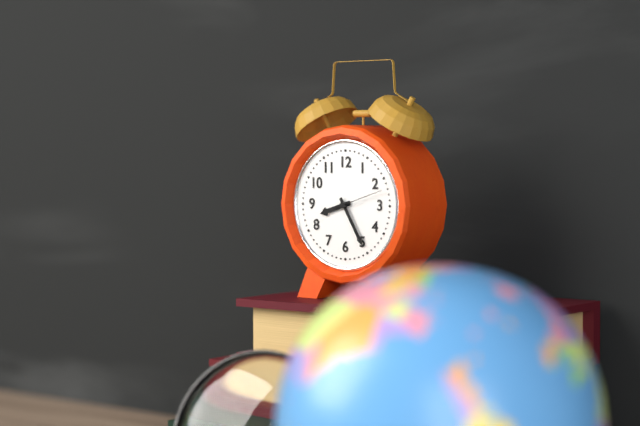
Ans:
8,25
